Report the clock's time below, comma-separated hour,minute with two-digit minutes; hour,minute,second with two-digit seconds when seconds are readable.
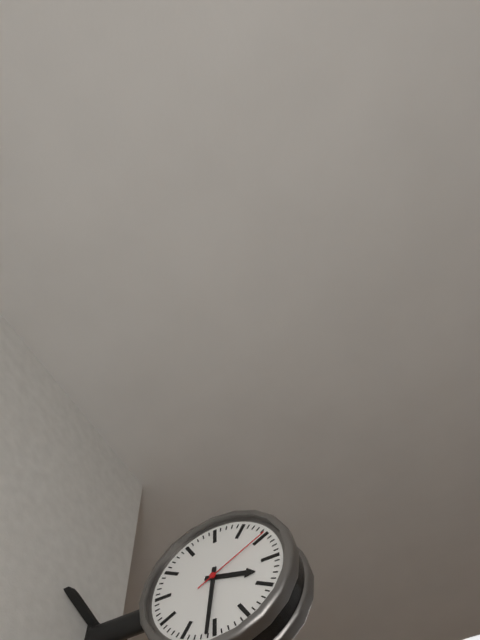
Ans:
3,31,10
